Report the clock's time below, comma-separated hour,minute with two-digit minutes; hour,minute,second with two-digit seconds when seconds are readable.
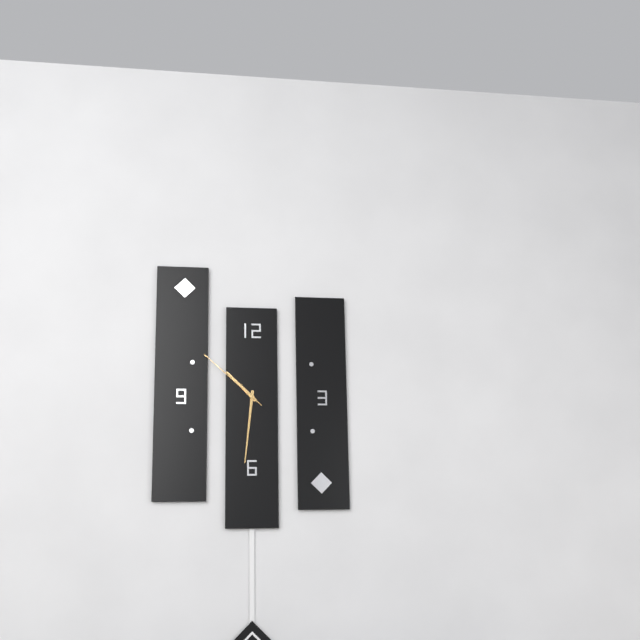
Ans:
10,31,52
